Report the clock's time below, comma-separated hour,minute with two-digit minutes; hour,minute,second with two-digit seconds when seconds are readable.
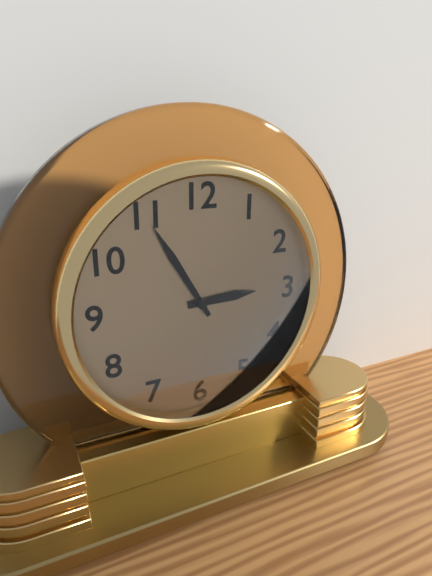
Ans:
2,55
